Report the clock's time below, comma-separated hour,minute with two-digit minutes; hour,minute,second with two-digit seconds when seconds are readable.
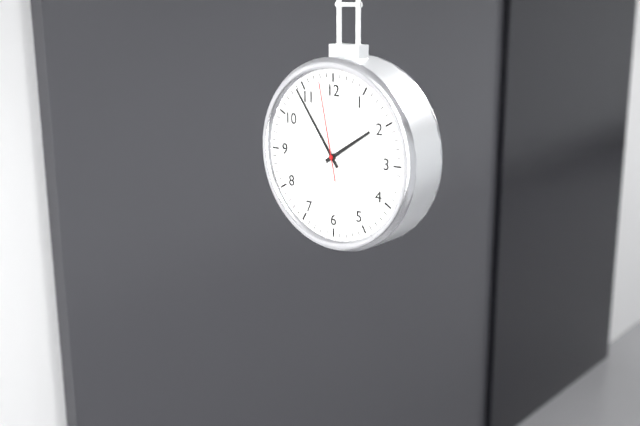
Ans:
1,54,58
